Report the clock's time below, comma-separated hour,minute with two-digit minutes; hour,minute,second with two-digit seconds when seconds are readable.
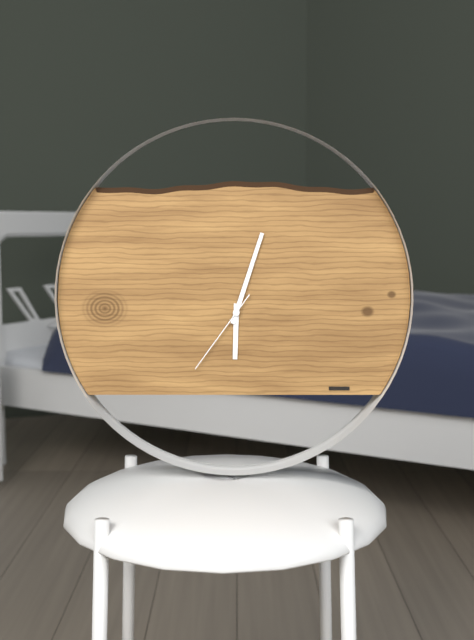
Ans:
6,03,36
